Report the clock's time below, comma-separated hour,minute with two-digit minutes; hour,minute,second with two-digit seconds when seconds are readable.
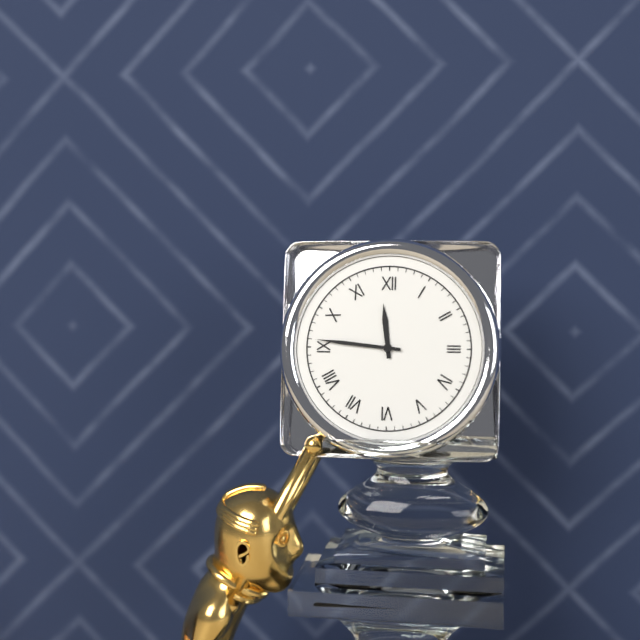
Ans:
11,46
